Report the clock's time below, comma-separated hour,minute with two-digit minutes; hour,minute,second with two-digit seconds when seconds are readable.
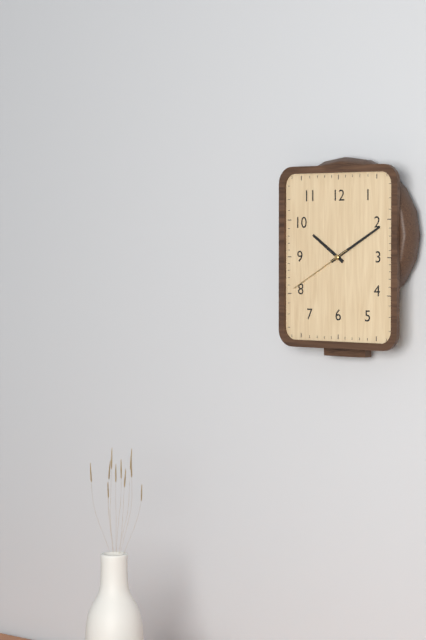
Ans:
10,10,40
